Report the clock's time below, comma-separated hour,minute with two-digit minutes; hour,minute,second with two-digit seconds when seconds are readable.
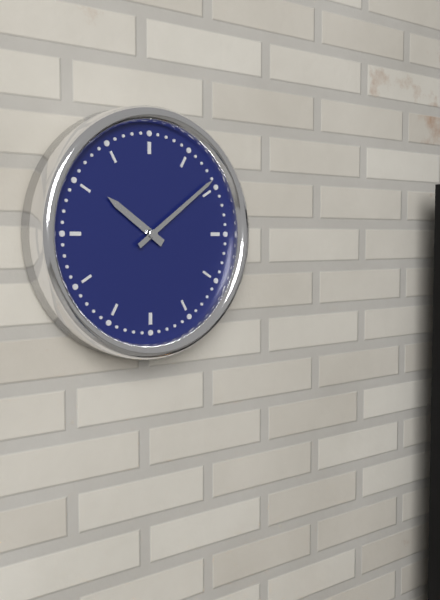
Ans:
10,09
